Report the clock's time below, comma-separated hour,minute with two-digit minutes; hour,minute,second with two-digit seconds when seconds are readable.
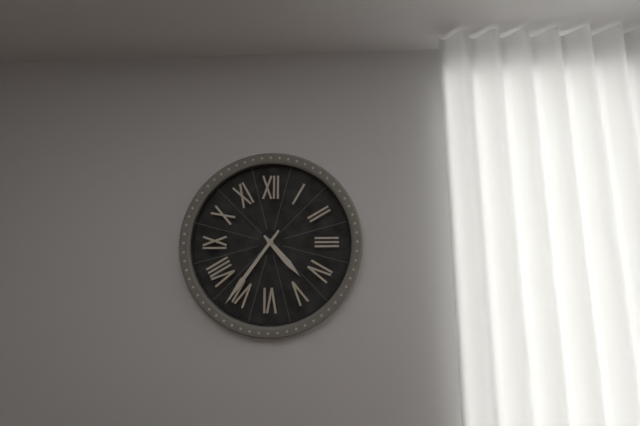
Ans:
4,36
